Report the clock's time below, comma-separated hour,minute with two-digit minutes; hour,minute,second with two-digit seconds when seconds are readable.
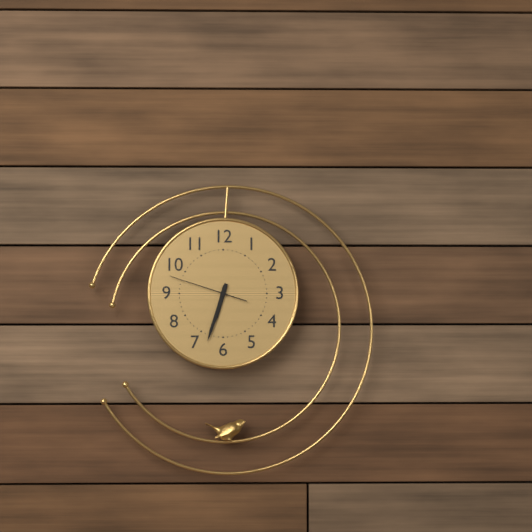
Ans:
6,33,48
